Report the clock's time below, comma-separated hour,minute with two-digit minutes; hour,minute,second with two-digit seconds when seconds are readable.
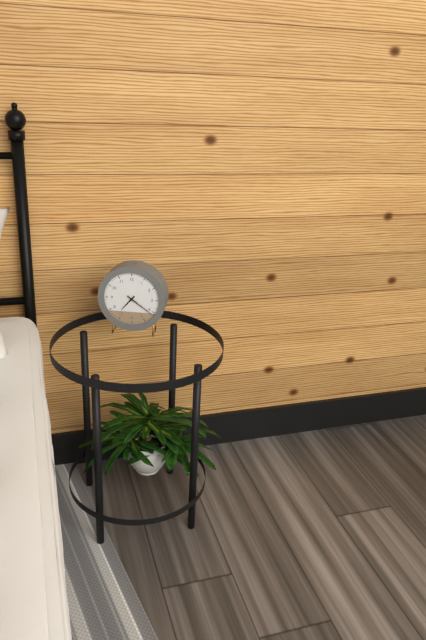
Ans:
7,21
